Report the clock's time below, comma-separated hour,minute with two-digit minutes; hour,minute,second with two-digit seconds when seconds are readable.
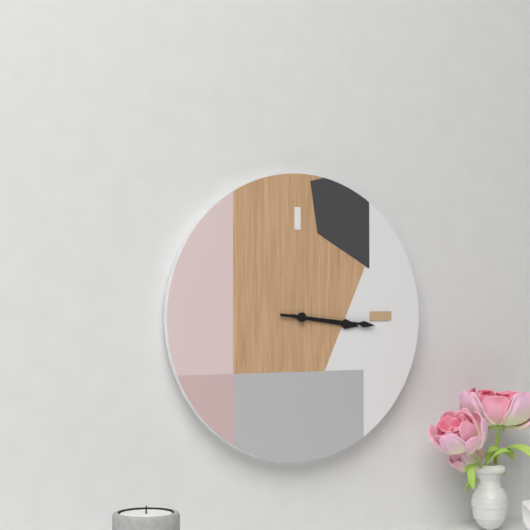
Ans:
3,16
